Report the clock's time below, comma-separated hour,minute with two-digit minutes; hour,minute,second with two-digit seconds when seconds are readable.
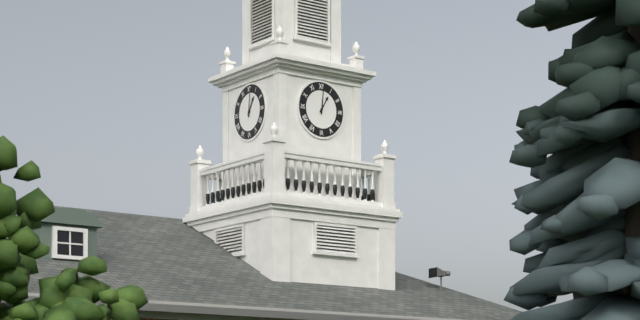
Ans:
1,01
